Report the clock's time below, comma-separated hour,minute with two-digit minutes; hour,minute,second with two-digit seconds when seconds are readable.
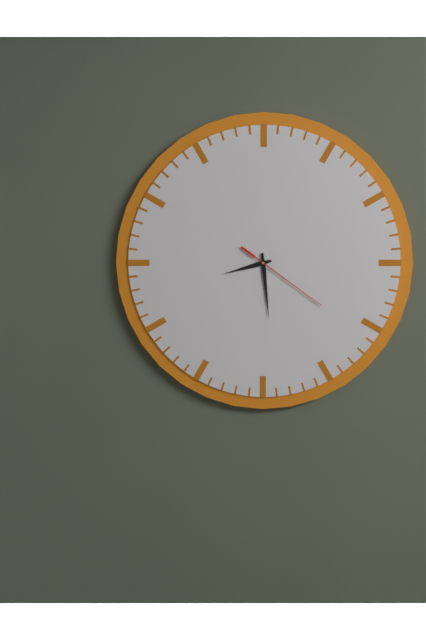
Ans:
8,29,21
